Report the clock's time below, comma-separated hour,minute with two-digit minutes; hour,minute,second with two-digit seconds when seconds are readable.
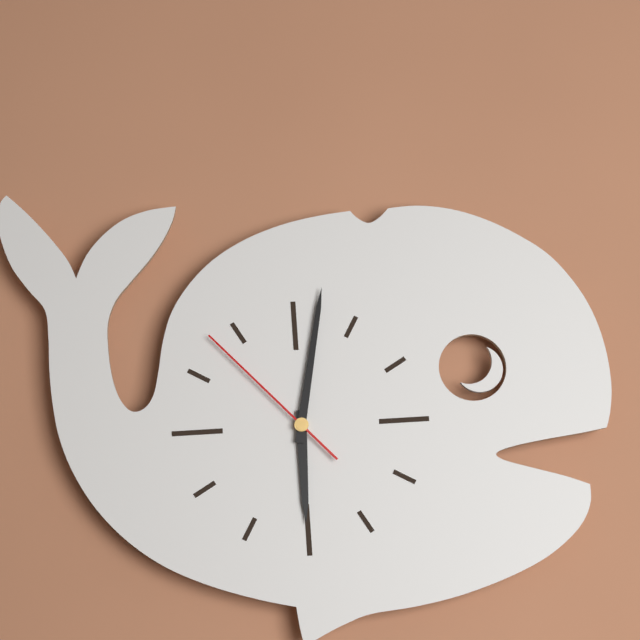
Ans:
6,02,53
